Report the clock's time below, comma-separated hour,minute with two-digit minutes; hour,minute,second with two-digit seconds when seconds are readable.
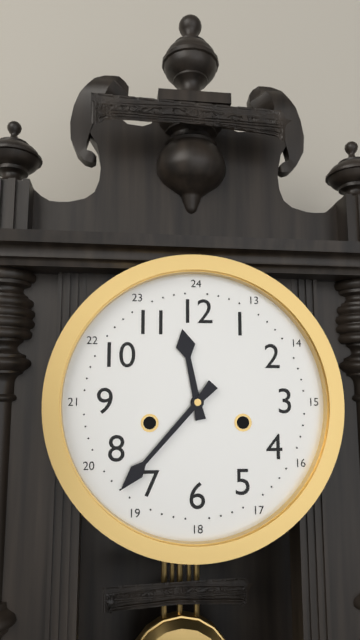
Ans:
11,37
